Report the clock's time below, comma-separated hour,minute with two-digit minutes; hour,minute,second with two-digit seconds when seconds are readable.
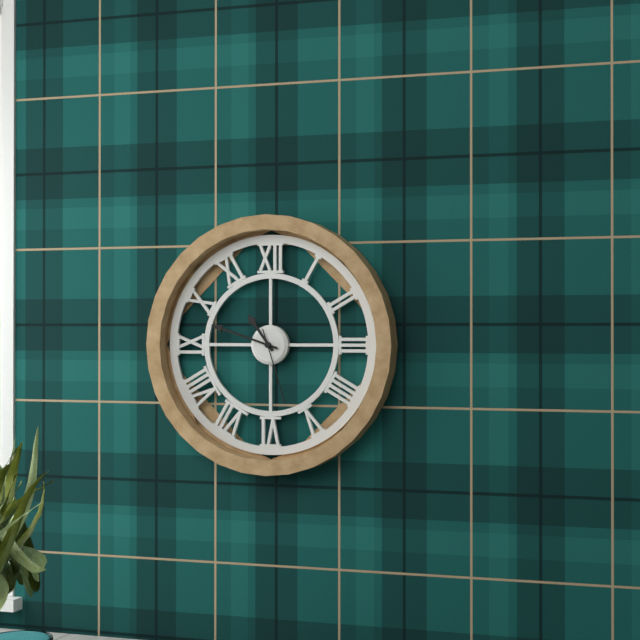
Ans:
10,48,27
